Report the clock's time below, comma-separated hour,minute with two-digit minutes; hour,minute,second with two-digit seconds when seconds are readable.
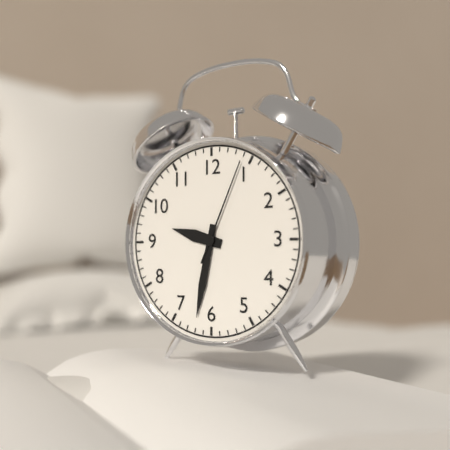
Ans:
9,32,04
